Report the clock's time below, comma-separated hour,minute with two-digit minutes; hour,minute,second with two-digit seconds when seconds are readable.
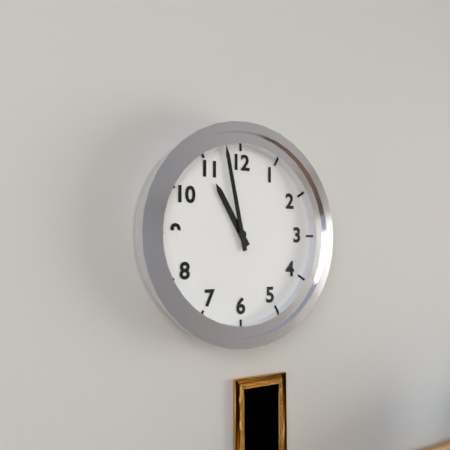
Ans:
10,58
